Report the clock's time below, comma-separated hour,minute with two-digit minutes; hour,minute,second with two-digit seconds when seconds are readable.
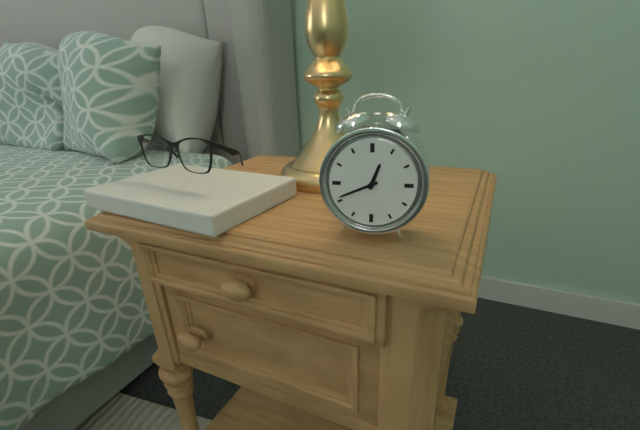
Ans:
12,41
